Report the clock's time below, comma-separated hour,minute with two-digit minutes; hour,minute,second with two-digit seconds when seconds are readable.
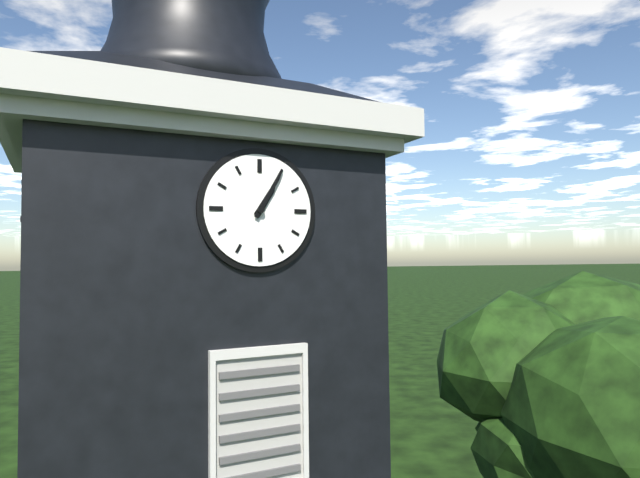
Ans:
1,05
